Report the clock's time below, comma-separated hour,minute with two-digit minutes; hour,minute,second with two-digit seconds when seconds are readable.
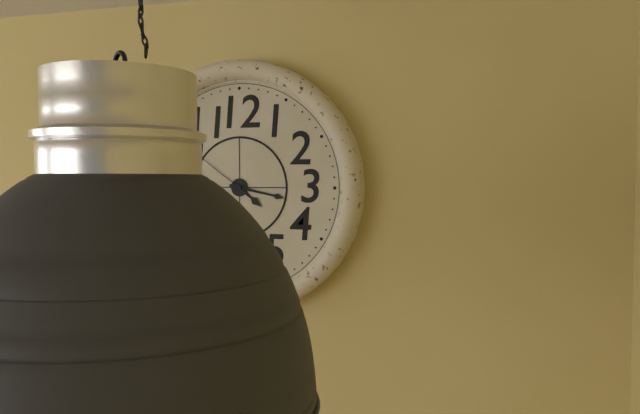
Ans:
4,17,51
